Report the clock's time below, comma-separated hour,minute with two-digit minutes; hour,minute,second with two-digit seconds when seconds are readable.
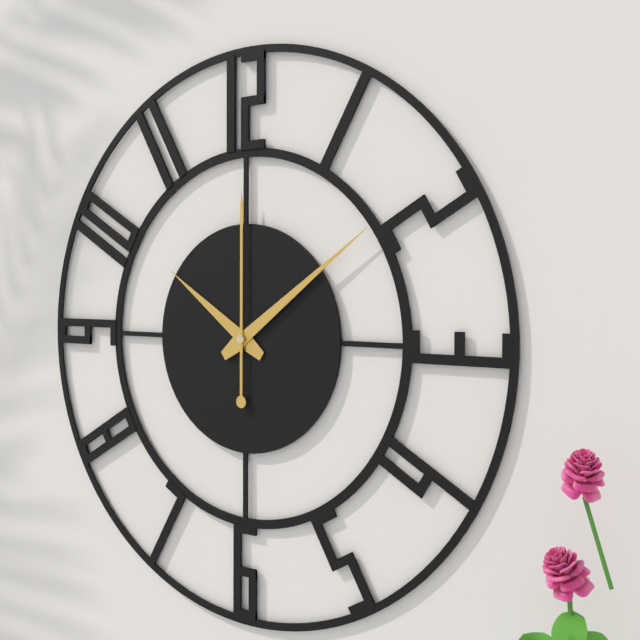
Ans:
10,09,00
